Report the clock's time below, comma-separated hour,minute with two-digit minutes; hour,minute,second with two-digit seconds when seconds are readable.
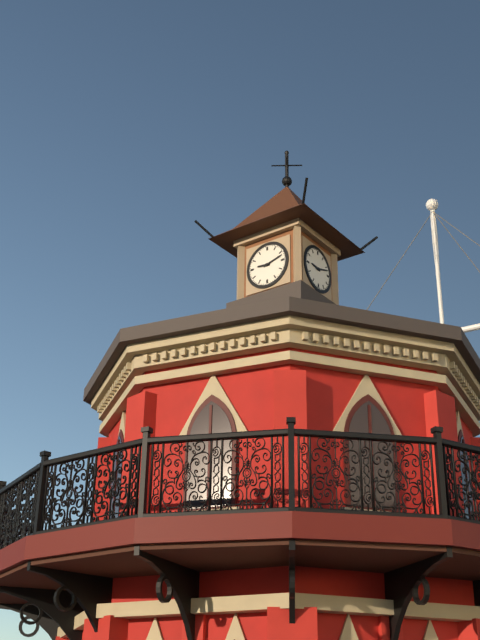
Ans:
9,12
